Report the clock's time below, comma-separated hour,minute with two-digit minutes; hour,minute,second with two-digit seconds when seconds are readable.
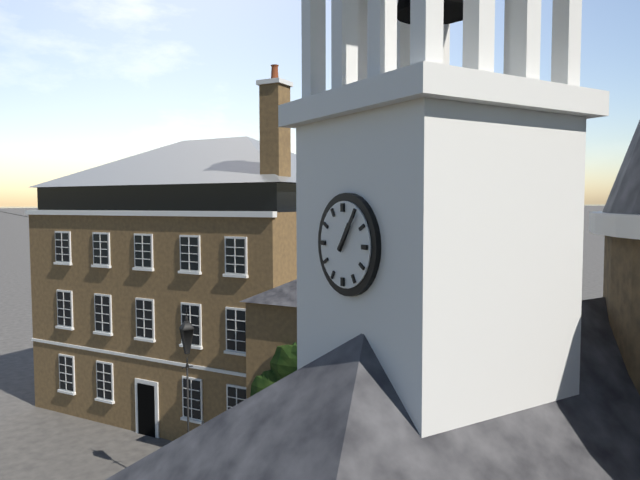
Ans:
1,06
